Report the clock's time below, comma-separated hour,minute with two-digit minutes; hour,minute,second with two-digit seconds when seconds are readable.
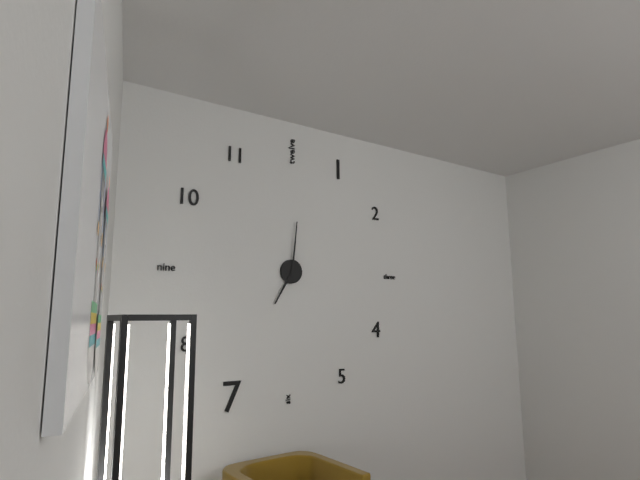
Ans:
7,01
